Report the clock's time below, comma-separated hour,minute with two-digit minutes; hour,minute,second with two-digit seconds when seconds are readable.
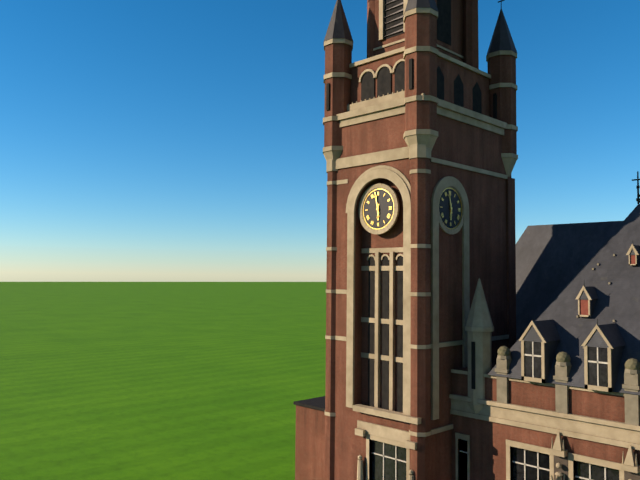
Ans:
5,58
